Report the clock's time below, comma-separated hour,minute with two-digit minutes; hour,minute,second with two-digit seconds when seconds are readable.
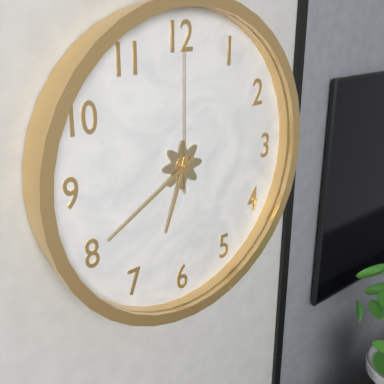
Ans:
6,40,00
